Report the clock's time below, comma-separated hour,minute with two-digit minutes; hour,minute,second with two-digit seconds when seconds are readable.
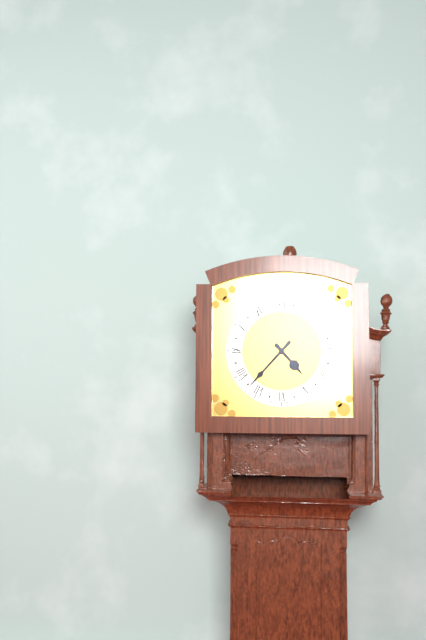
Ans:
4,37
